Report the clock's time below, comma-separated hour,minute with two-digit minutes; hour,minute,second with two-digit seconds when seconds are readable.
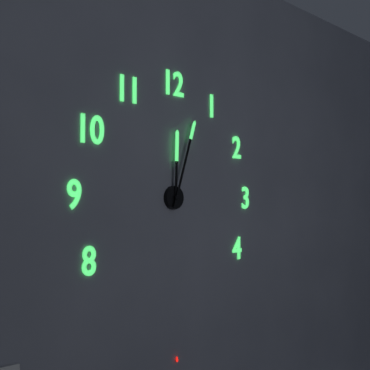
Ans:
12,03
